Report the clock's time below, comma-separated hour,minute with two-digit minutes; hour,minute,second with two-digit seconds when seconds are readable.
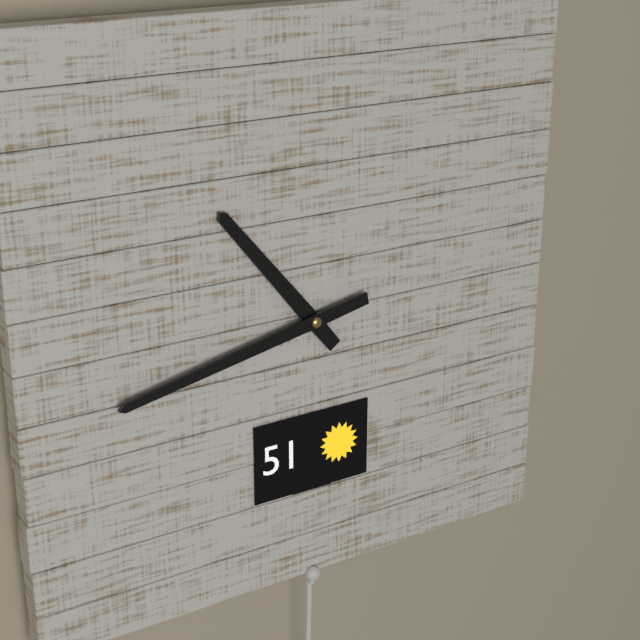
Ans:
10,43
